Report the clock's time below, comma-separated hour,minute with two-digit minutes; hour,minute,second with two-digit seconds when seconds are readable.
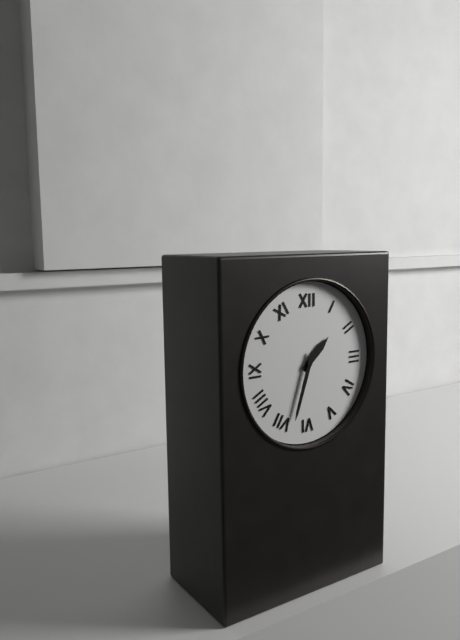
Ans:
1,33
